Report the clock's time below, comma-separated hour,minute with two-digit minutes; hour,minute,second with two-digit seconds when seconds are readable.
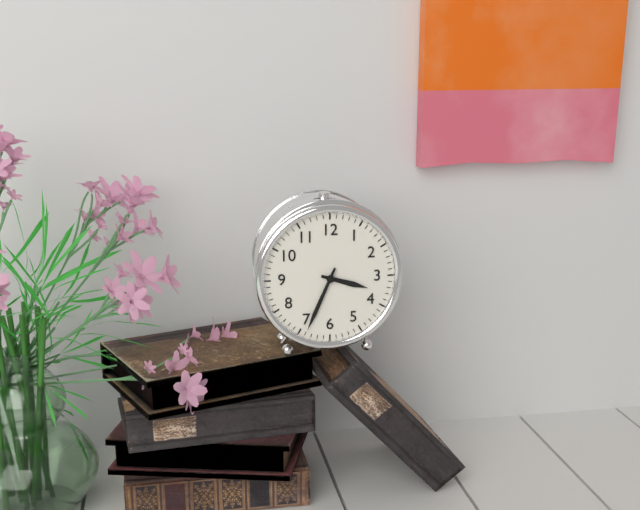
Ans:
3,34
